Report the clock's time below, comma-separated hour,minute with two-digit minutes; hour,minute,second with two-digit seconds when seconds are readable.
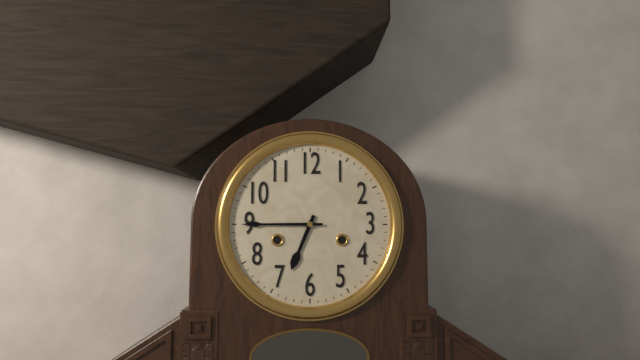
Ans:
6,45
